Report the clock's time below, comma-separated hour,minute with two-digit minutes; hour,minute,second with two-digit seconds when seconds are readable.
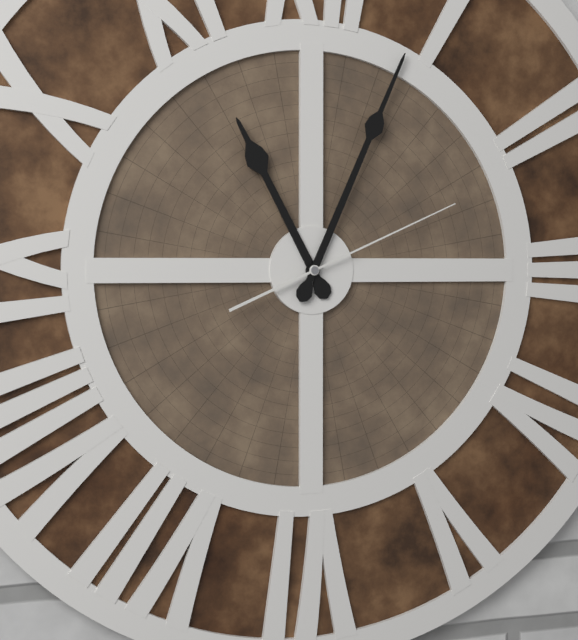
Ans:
11,04,11
